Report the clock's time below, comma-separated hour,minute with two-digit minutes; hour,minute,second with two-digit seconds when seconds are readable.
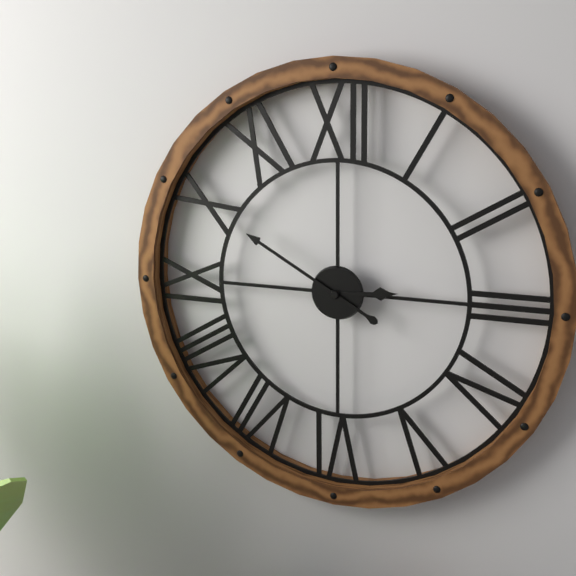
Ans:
2,50
